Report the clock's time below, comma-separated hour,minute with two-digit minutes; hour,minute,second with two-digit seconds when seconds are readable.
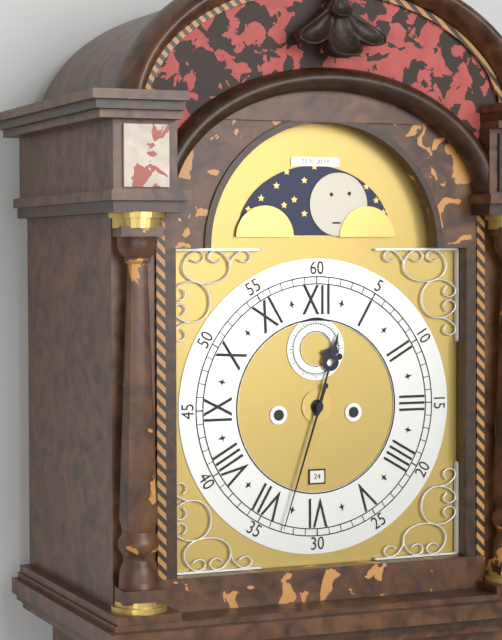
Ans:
12,33
